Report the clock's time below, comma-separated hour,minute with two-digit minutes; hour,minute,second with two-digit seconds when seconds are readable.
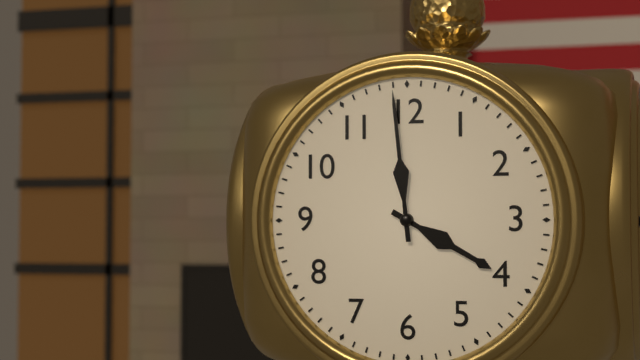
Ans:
3,59
